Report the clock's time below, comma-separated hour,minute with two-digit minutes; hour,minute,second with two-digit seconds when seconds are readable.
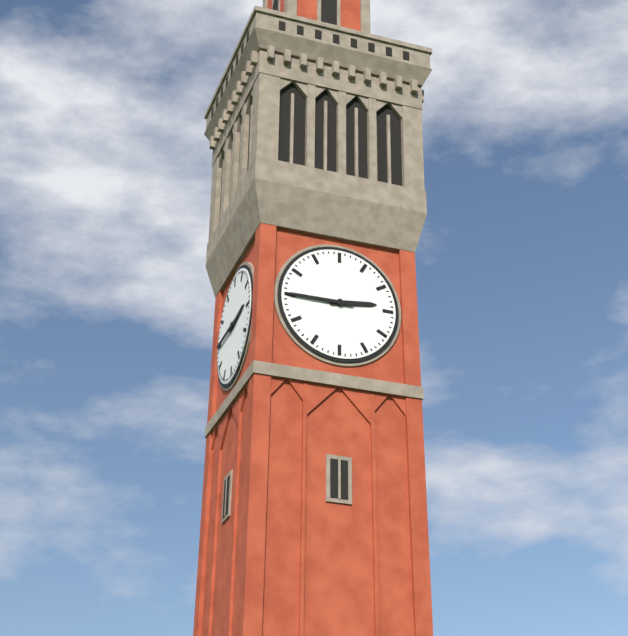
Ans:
2,45
